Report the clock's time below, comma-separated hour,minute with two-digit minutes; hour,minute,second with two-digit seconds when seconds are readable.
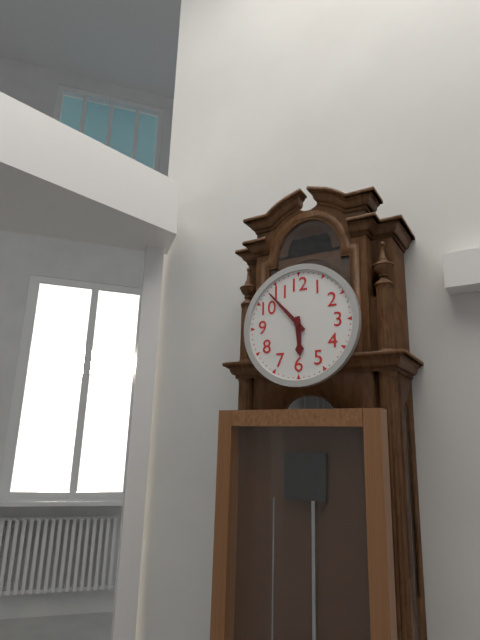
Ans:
5,53
